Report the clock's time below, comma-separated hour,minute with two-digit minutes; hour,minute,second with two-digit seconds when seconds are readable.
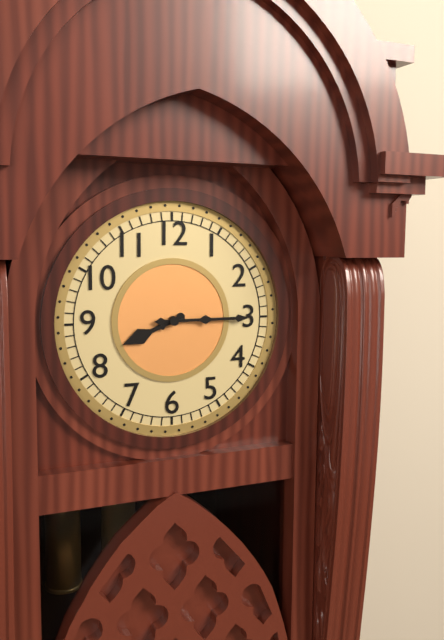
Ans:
8,15
